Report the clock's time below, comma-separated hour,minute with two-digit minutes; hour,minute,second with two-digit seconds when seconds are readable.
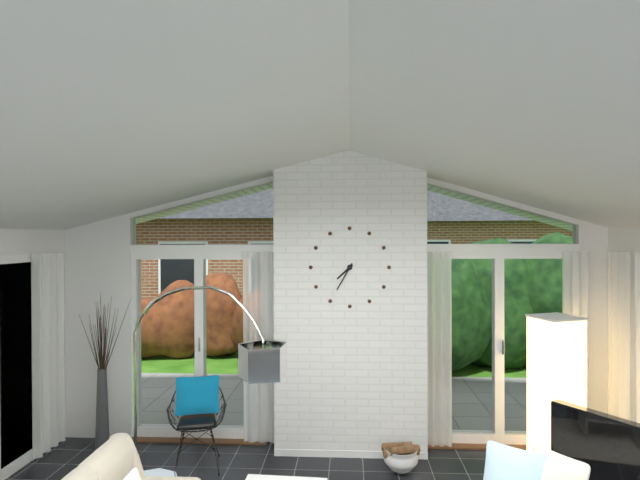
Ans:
7,35
